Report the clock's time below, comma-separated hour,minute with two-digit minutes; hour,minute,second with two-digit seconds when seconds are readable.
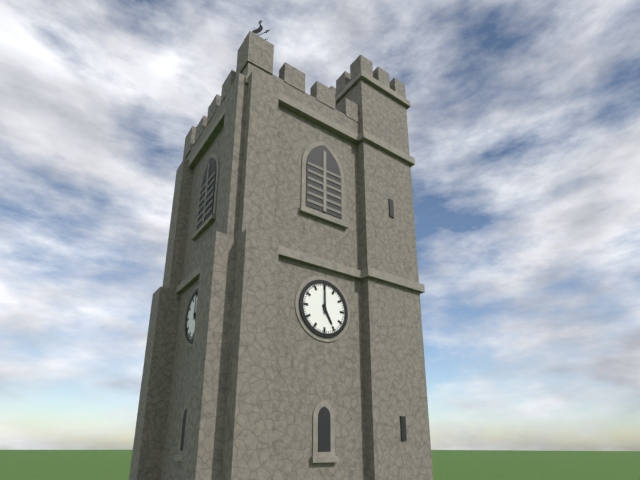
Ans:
5,00
